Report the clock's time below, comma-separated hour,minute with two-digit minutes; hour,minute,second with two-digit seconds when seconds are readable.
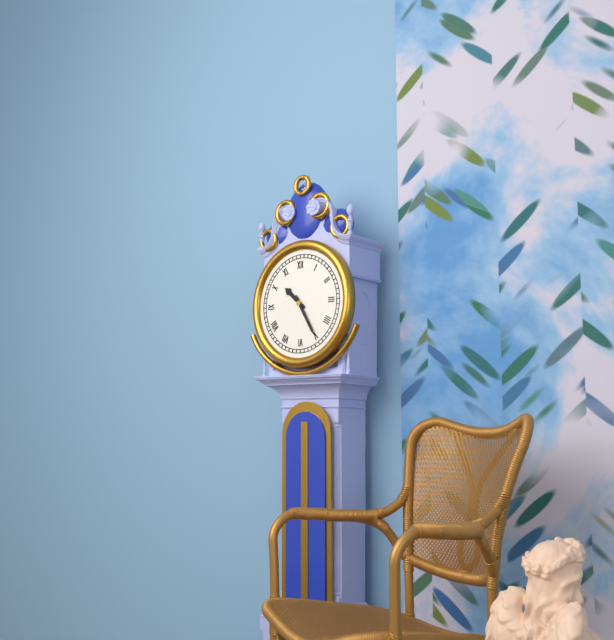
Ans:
10,25
